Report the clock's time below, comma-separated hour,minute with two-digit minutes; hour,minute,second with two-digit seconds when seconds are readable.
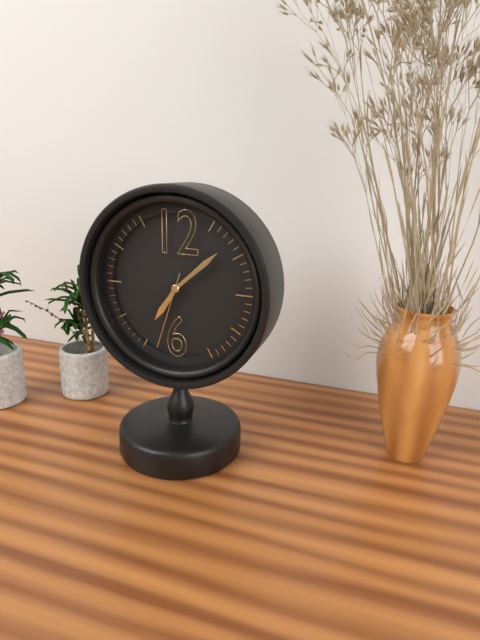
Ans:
7,08,33
